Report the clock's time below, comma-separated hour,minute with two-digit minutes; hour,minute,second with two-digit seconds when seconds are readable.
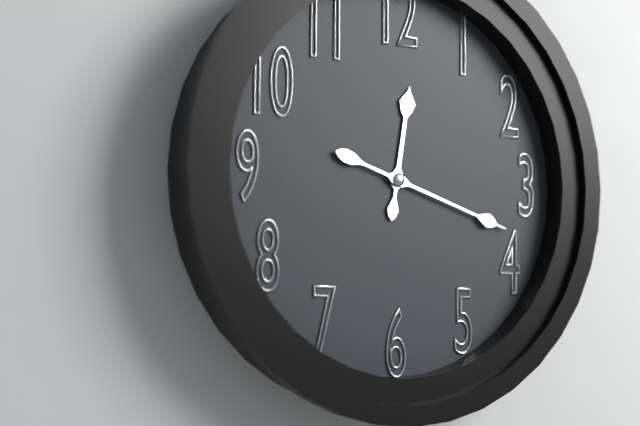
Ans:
12,18
